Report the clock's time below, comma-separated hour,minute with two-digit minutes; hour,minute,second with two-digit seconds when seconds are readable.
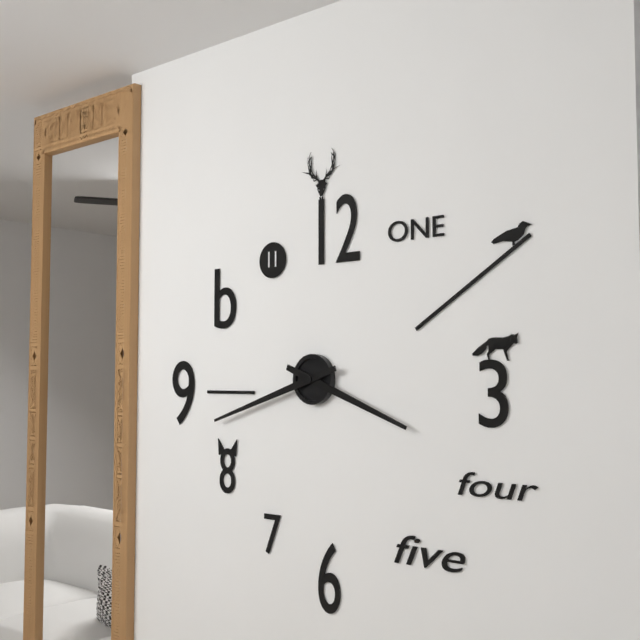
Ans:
3,42
